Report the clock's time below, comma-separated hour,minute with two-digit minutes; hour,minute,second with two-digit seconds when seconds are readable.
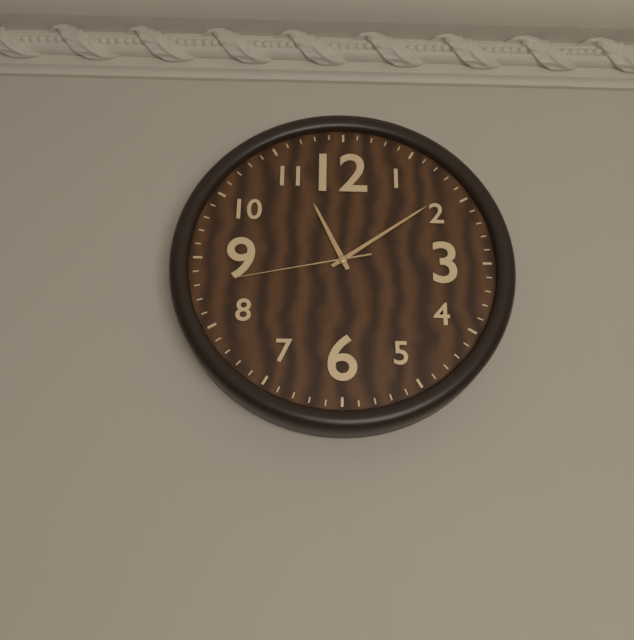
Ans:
11,09,43
